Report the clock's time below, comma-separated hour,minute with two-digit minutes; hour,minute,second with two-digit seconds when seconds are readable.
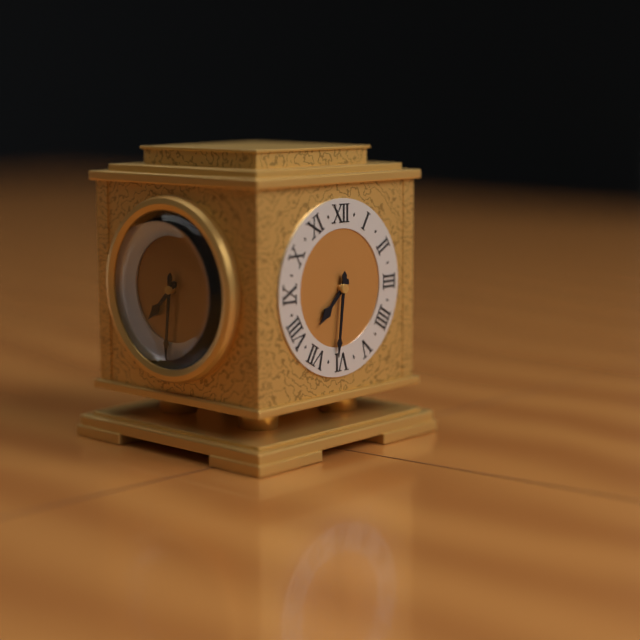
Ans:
7,31
